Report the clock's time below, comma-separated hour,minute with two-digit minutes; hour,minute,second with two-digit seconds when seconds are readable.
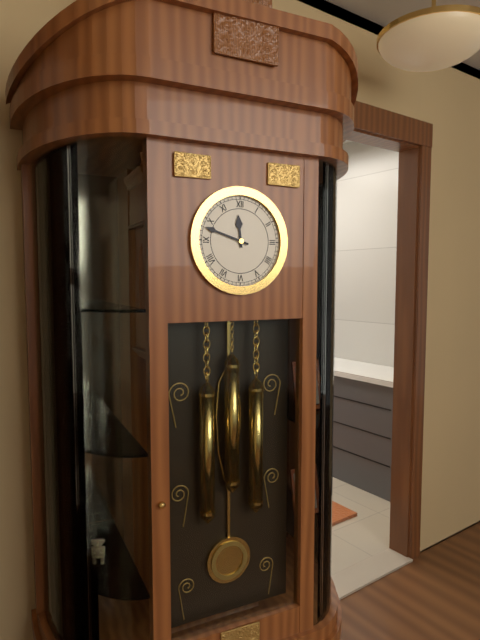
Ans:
11,48
